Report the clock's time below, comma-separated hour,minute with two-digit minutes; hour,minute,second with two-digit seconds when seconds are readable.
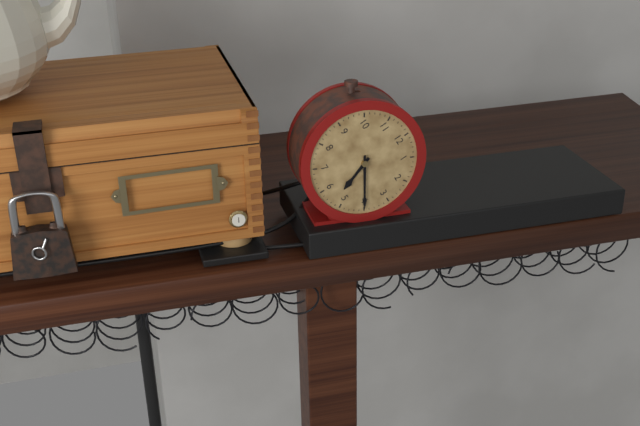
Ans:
5,20
